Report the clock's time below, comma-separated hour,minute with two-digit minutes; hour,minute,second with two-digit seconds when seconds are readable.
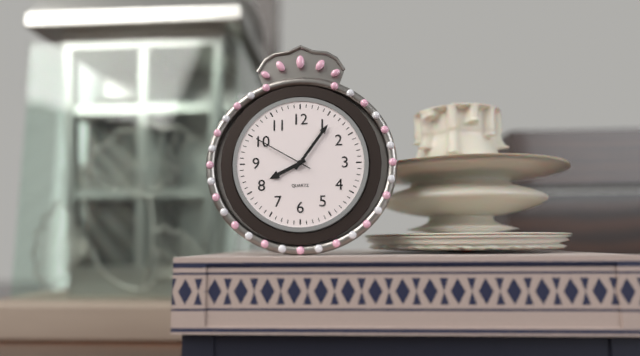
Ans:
8,06,50
